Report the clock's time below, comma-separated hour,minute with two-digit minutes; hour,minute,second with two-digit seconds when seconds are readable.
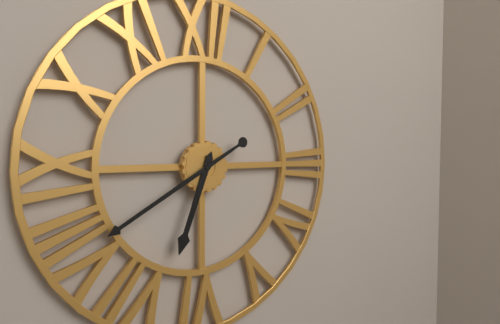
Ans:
6,40
